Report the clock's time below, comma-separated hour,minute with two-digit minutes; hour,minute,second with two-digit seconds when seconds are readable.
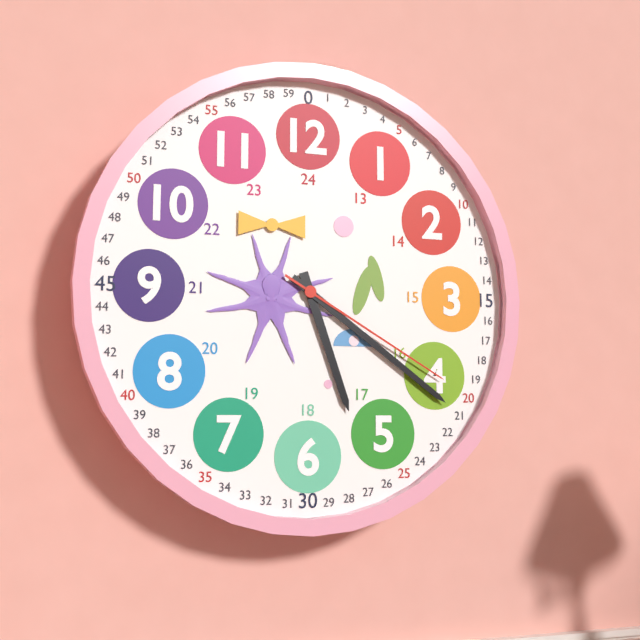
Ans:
5,21,20
